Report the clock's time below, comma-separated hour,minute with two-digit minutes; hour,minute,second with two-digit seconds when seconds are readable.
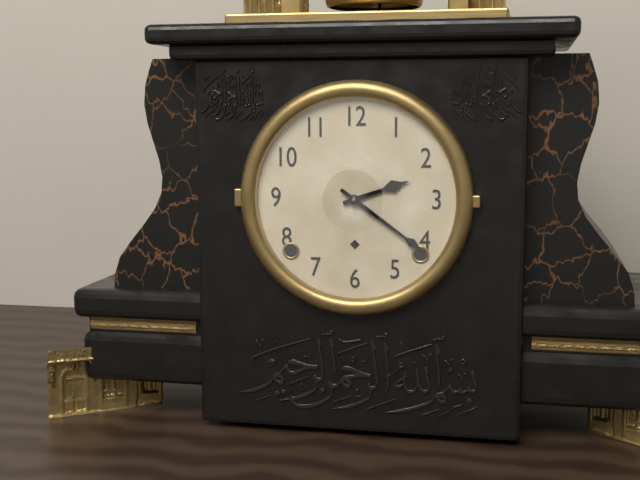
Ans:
2,21
